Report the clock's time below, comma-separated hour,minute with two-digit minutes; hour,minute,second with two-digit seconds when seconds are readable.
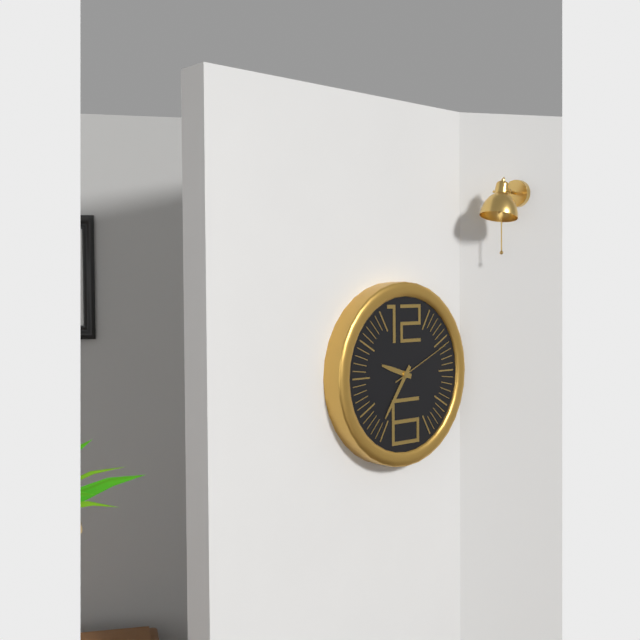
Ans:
9,36,11
